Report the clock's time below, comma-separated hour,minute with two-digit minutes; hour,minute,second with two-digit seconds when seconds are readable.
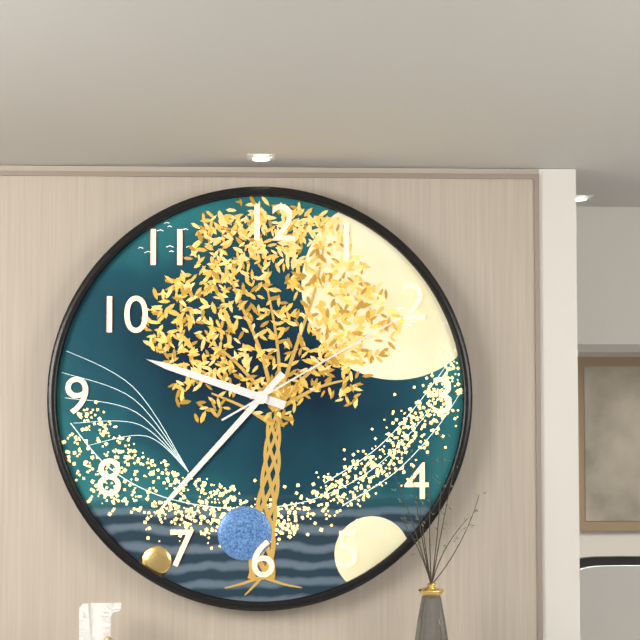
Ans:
9,37,10
